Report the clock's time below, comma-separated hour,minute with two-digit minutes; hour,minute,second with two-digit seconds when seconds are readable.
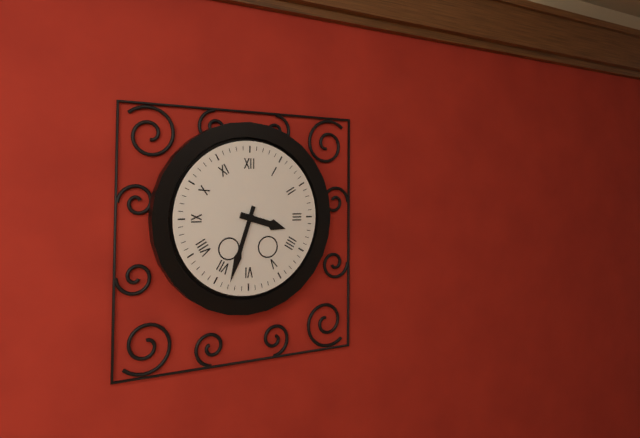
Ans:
3,33
